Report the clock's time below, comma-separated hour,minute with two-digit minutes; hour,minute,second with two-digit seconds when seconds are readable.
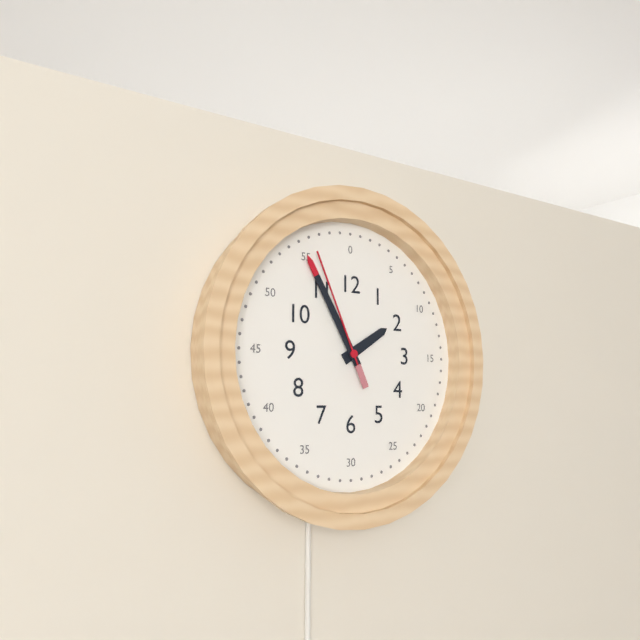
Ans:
1,55,56
